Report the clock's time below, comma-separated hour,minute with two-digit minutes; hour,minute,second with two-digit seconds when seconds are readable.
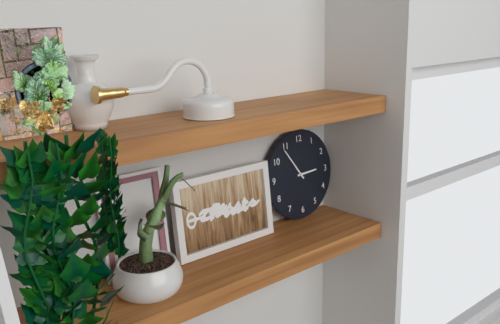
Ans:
2,54
